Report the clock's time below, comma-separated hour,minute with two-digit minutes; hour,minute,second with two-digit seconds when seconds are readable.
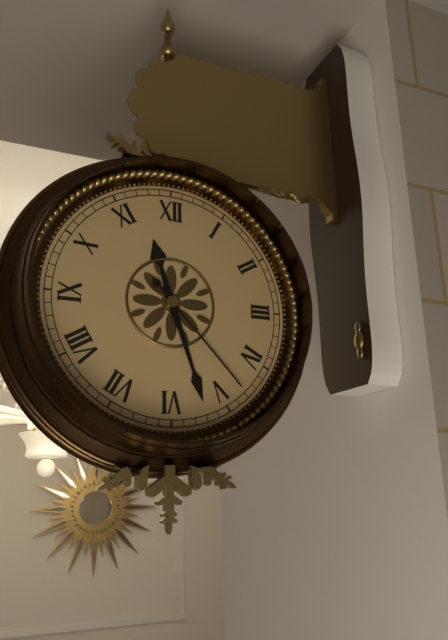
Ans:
11,27,23
